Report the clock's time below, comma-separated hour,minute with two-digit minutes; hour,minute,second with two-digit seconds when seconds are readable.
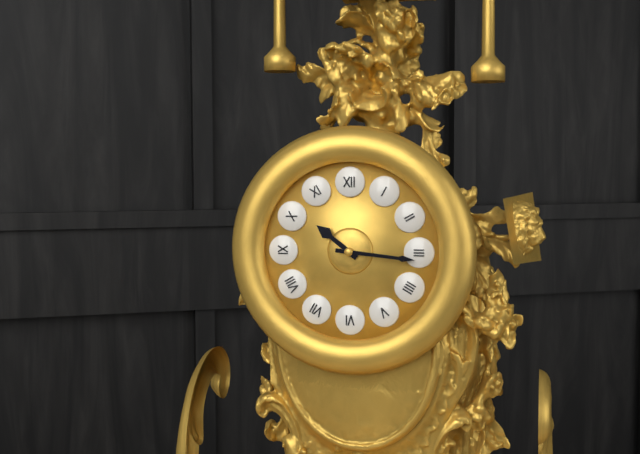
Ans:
10,16
